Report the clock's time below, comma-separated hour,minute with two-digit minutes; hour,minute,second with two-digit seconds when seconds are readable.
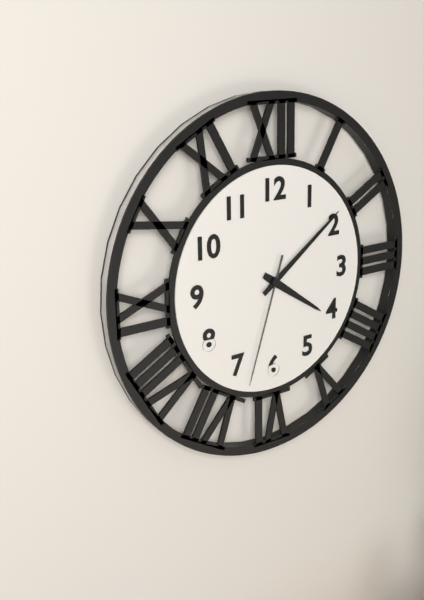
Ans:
4,09,33
